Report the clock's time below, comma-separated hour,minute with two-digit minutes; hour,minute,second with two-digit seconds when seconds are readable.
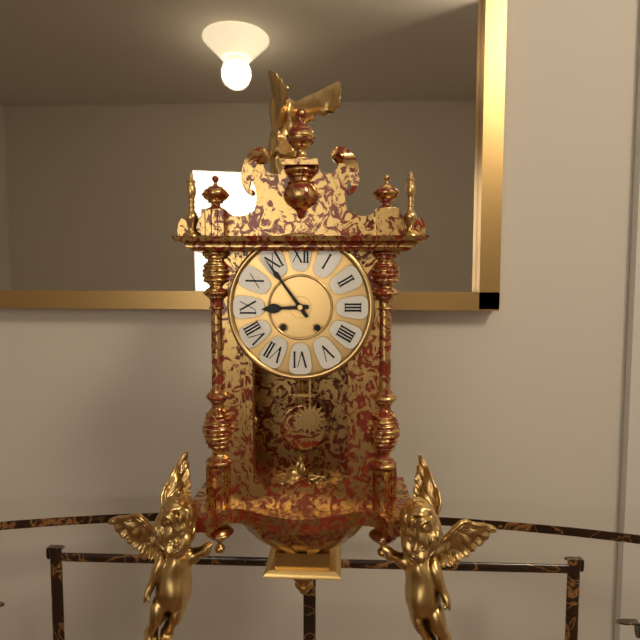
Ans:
8,54
